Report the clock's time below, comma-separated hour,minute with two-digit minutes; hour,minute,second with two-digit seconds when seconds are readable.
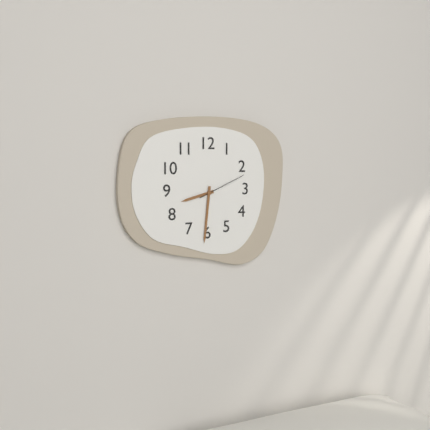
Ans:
8,31,11
